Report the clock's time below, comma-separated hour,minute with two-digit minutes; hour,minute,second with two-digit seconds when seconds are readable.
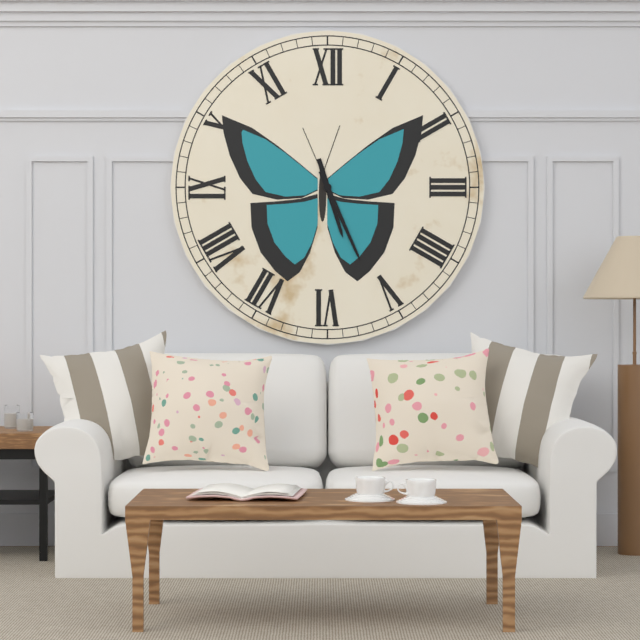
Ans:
5,26
